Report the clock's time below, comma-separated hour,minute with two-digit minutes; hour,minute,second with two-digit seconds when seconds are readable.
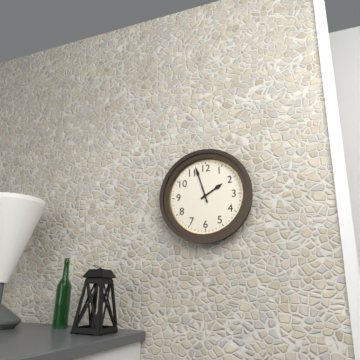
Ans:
1,57
